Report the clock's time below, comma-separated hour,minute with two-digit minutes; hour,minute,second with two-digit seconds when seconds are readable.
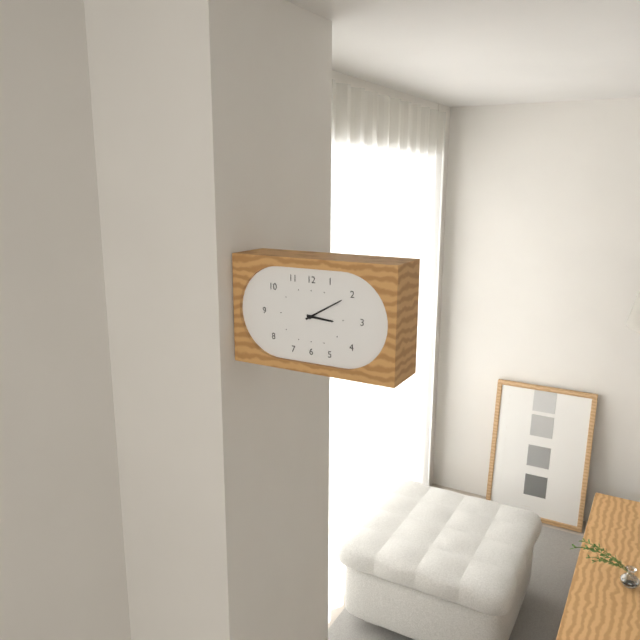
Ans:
3,10
